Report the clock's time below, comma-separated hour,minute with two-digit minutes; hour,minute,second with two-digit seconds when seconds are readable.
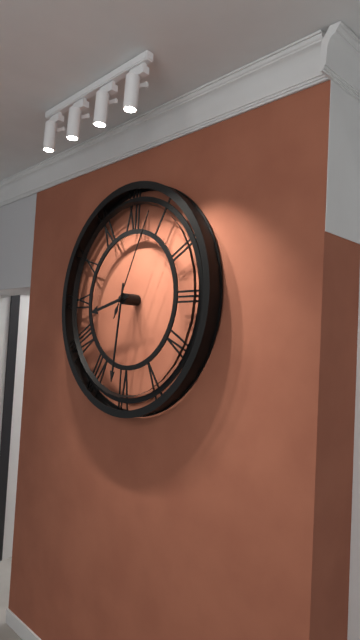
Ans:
8,31,04
